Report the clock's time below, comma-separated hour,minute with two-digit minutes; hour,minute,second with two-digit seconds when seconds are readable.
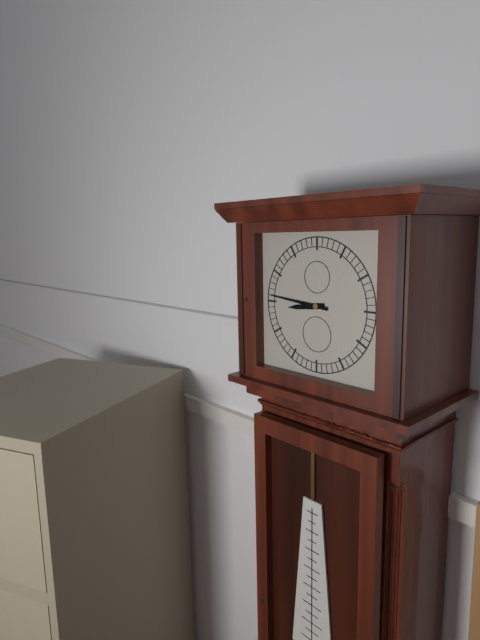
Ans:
8,46
